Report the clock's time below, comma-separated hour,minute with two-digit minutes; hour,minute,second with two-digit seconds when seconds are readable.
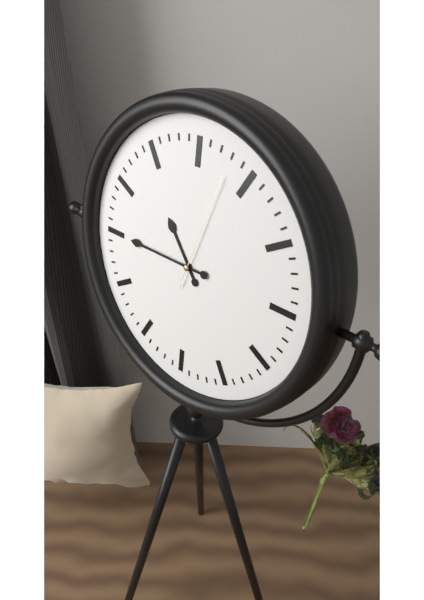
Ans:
10,45,03
